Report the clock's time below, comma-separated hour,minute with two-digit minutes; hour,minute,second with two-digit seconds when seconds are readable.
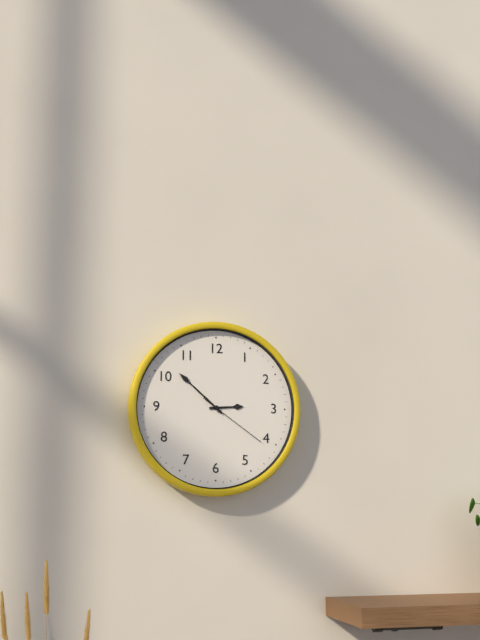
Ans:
2,52,21
